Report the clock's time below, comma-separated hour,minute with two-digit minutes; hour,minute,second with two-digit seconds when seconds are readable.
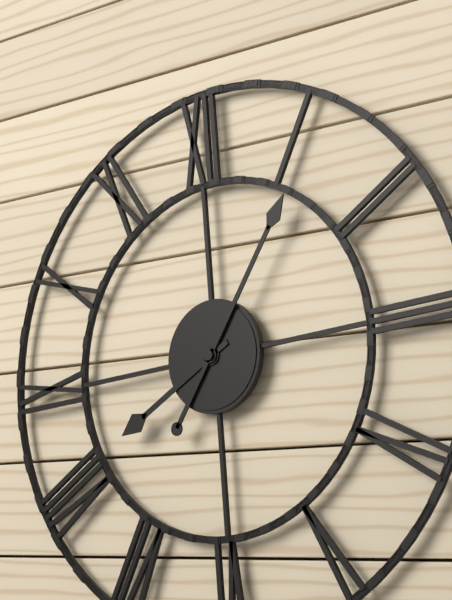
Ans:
8,06
